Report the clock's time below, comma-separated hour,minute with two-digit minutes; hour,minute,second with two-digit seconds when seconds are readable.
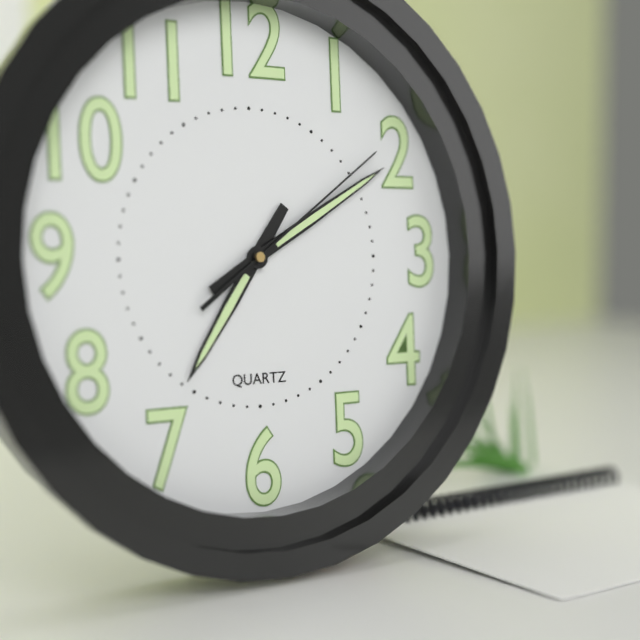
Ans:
7,10,09
